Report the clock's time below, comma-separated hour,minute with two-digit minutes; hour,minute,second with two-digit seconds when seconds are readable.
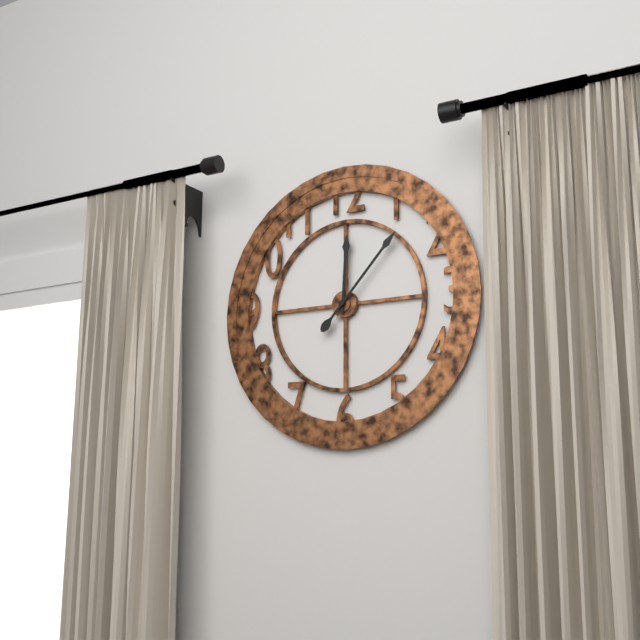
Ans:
12,07
